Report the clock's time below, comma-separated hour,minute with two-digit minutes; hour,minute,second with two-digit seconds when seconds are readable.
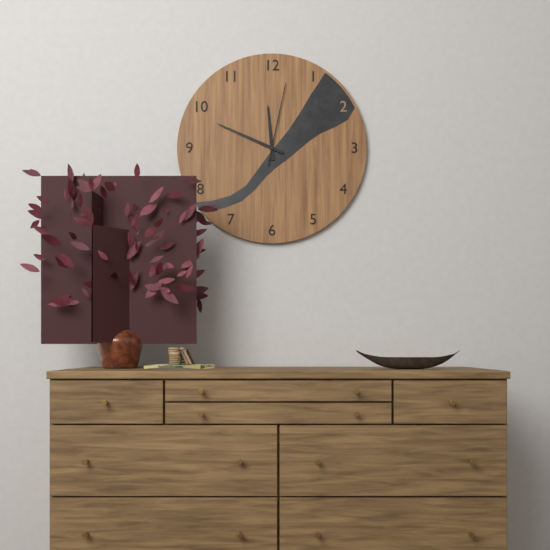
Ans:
11,49,02
